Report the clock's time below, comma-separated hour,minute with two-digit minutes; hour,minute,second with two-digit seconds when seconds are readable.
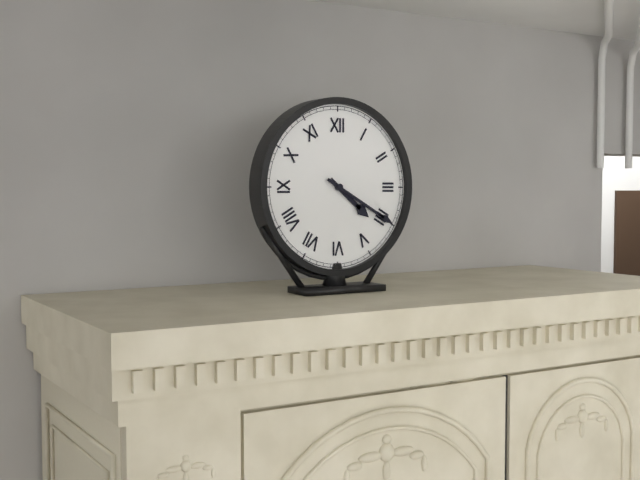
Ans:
4,20
